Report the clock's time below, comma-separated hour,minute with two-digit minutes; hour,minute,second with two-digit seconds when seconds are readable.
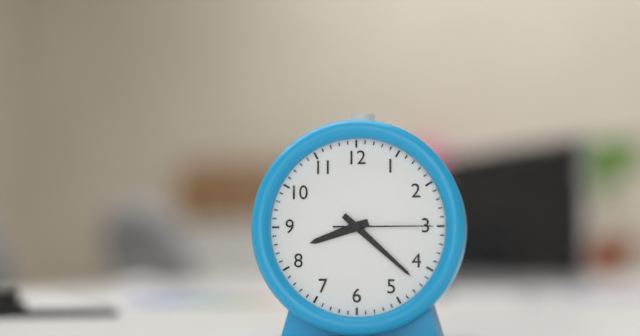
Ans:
8,22,15
